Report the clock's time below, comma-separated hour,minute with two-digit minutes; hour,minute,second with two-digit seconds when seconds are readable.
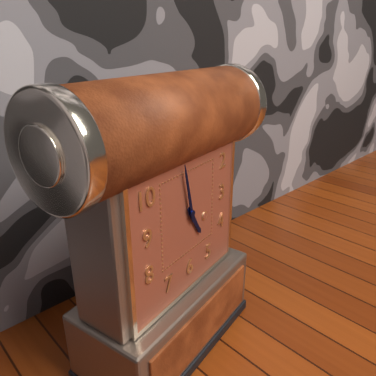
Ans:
4,58
